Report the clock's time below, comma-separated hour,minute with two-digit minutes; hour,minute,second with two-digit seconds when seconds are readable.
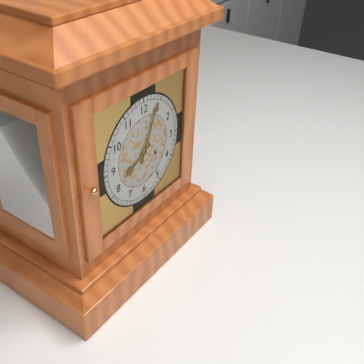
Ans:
8,04
